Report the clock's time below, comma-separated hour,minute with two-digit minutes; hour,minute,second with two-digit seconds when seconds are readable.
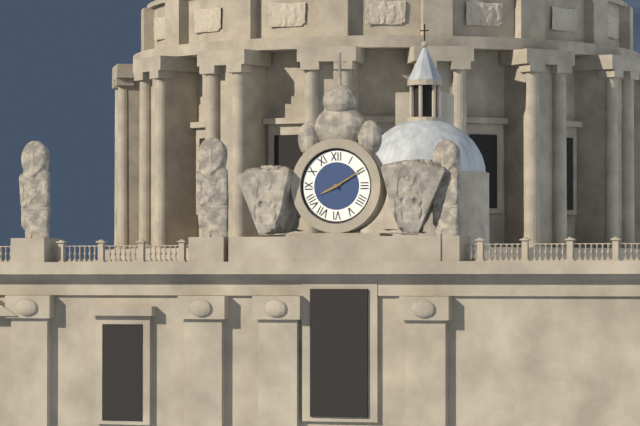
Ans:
8,10
